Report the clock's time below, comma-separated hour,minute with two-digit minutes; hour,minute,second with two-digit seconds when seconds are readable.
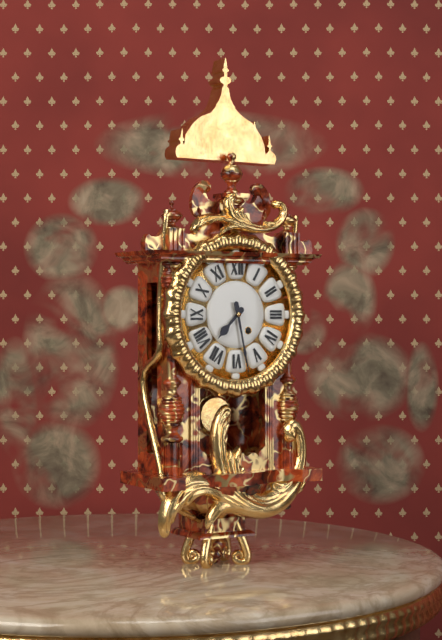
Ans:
7,28
